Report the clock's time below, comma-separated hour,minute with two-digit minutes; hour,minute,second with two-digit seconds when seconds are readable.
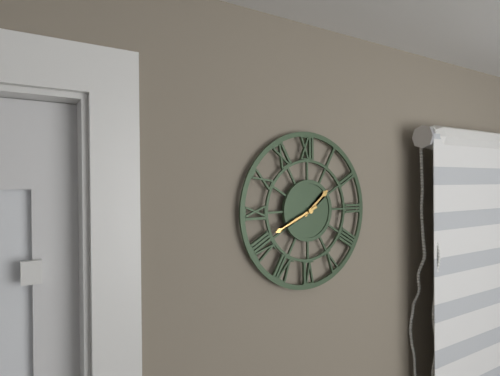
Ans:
1,41
